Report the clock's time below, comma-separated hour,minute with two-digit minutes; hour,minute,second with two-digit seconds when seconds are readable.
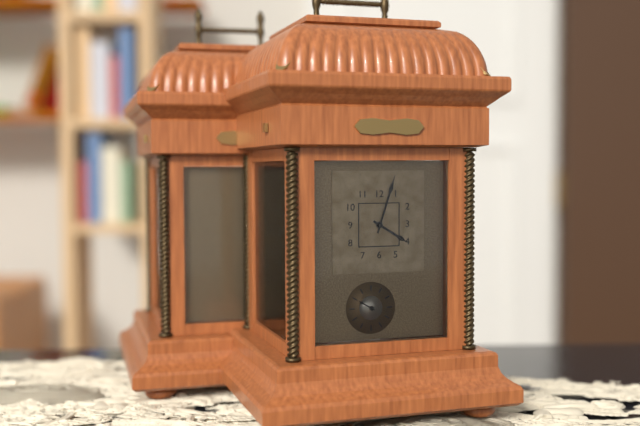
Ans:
4,03
